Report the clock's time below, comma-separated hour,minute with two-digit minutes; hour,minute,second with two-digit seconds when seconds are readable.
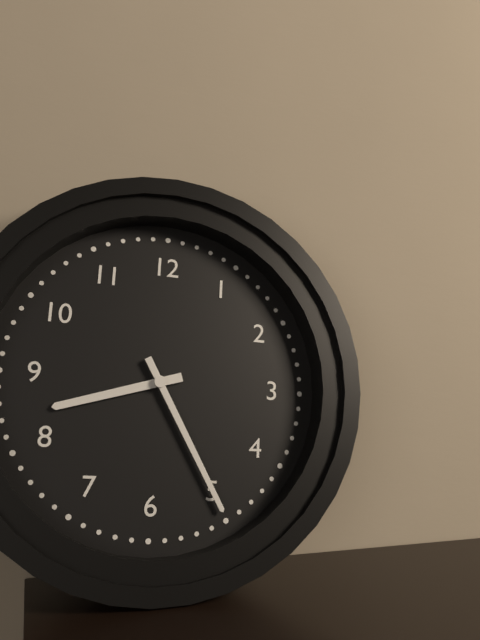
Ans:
8,25
